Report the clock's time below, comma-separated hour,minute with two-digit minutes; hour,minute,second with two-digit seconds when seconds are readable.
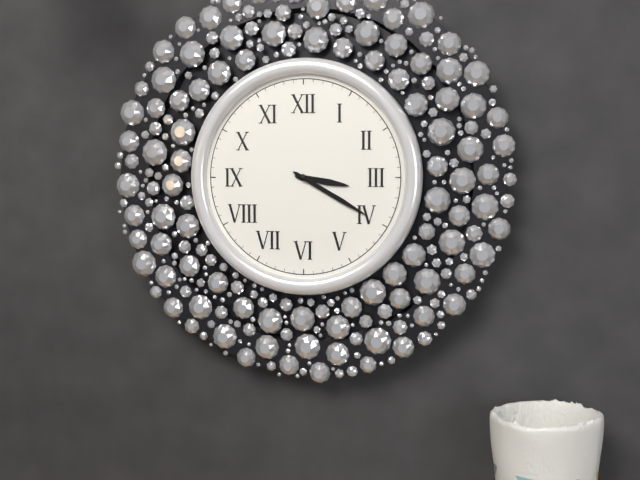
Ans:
3,20
